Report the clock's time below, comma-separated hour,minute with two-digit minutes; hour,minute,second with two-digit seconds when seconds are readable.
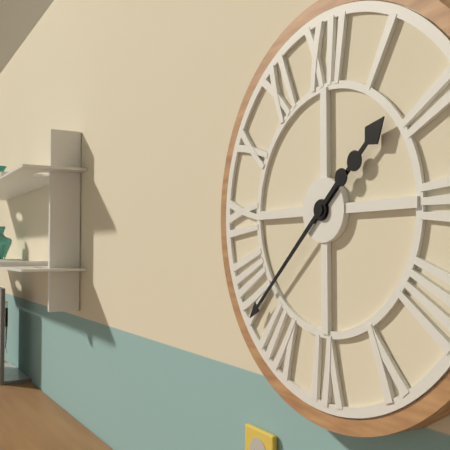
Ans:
1,38
